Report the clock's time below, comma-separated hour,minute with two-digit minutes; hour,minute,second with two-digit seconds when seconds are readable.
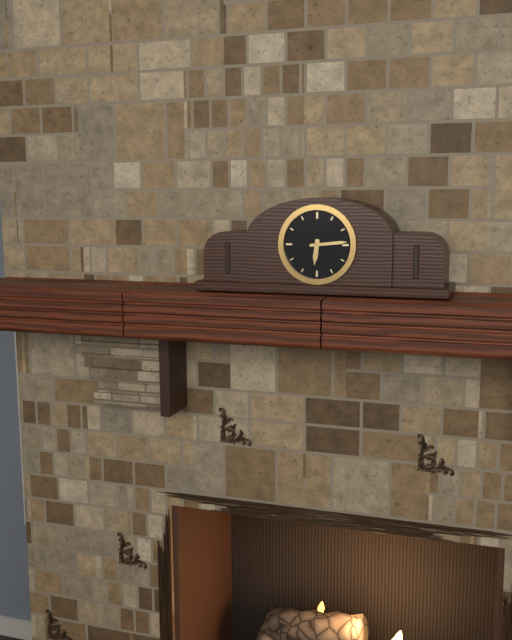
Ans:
6,14
